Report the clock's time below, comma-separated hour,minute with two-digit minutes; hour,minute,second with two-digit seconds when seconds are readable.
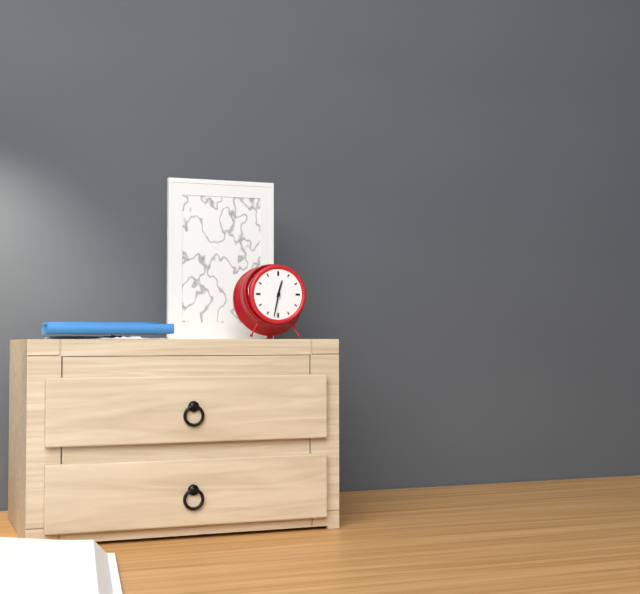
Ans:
12,32
